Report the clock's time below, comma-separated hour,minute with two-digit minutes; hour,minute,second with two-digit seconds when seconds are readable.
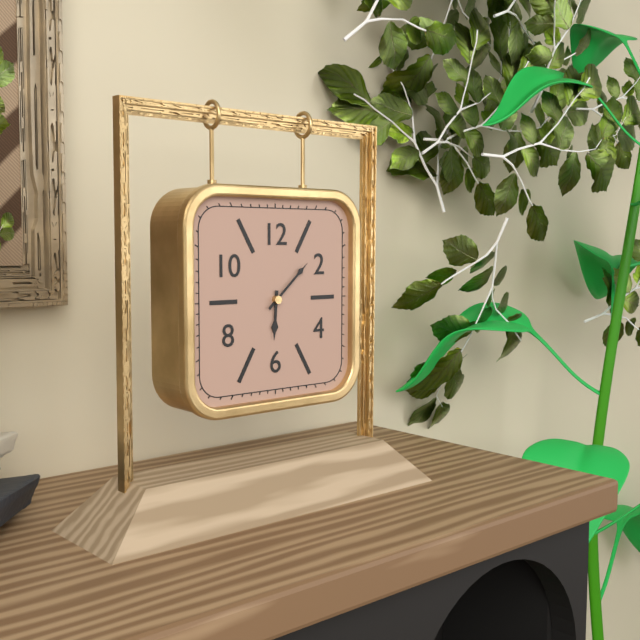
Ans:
6,08
